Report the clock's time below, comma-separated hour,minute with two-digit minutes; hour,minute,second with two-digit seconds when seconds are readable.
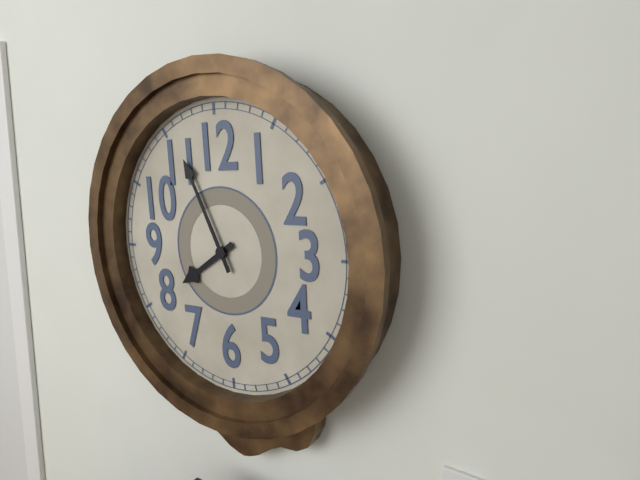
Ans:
7,56
